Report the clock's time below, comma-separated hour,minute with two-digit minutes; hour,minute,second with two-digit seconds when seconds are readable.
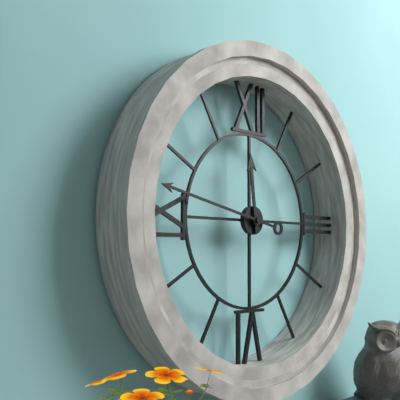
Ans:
11,47
